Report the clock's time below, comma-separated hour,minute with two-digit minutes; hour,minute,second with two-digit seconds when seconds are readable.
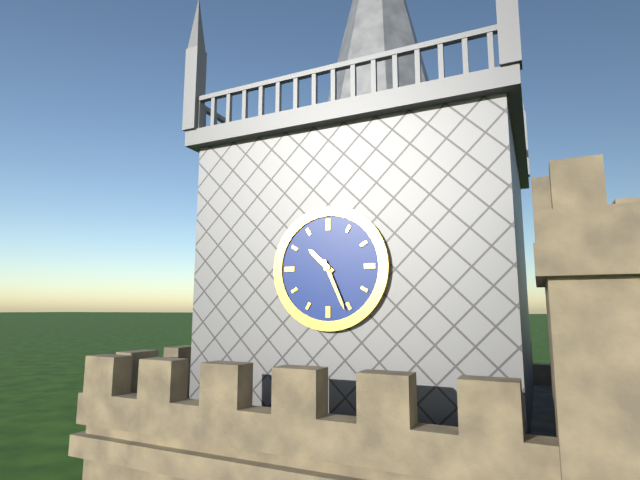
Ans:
10,26
